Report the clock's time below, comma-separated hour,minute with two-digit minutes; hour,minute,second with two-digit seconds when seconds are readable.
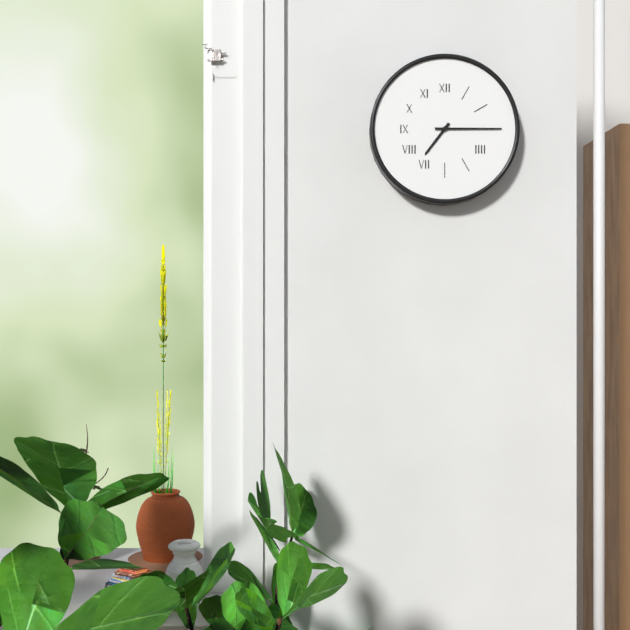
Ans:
7,15
